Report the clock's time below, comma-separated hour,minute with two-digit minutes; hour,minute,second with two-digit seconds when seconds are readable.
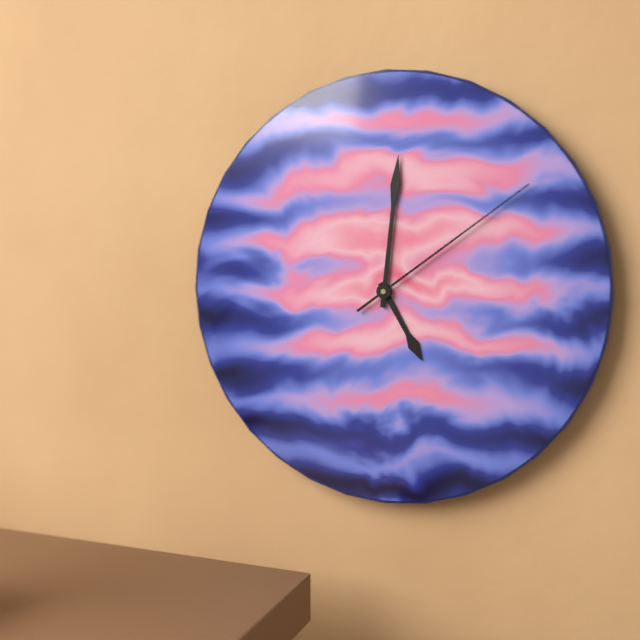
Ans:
5,01,09
